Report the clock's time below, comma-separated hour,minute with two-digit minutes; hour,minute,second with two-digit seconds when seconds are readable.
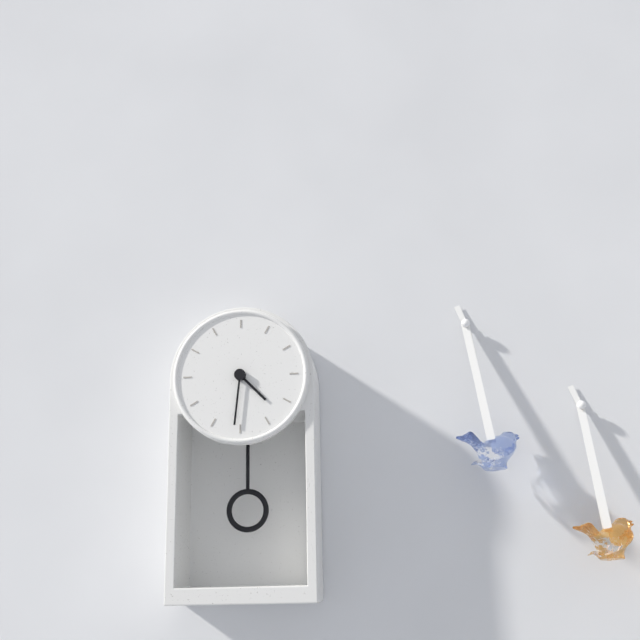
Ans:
4,31
